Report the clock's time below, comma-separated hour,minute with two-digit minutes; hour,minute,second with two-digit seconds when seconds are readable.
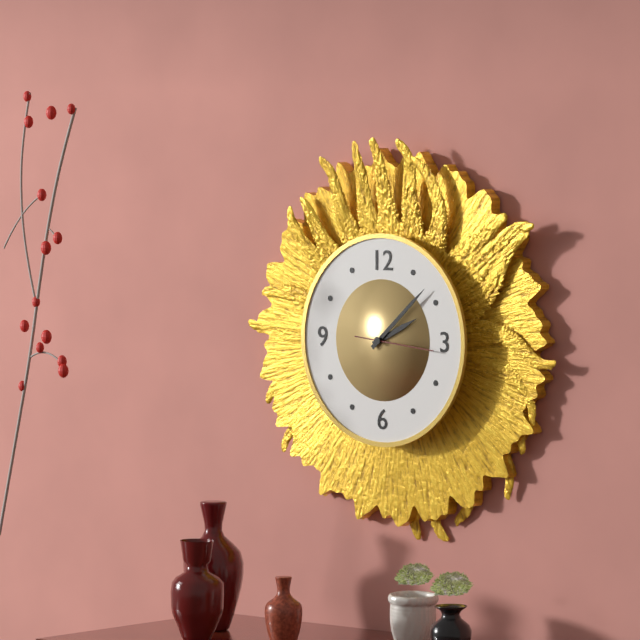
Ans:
2,08,16
